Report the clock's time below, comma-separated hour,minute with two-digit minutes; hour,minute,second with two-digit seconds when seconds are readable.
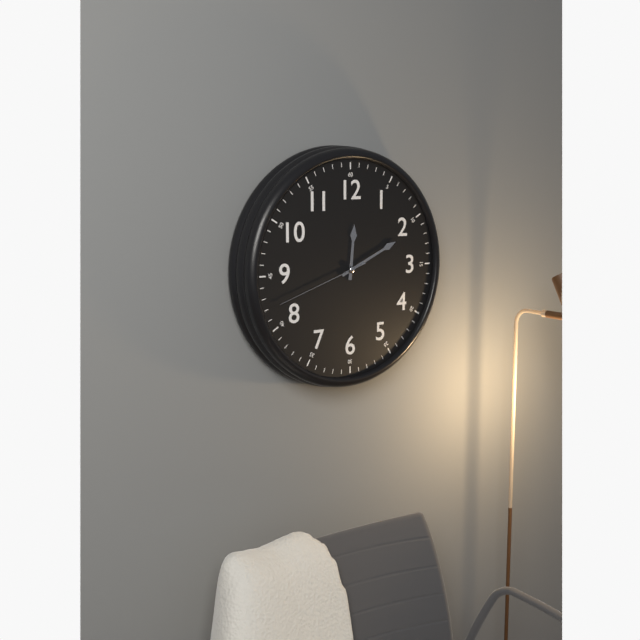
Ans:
12,11,42
